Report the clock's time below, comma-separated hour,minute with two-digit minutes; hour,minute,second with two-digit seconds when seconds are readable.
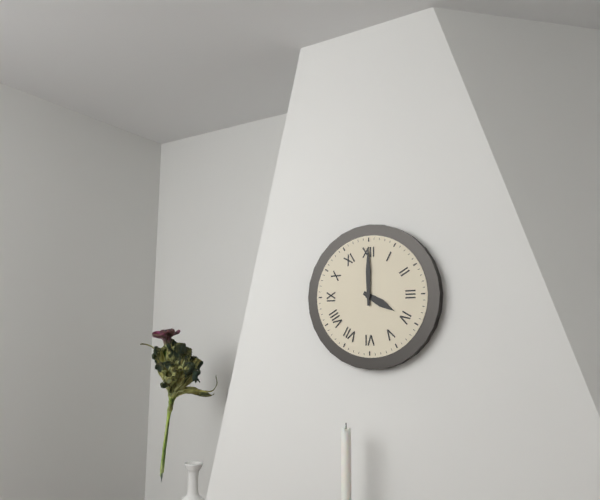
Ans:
4,00
